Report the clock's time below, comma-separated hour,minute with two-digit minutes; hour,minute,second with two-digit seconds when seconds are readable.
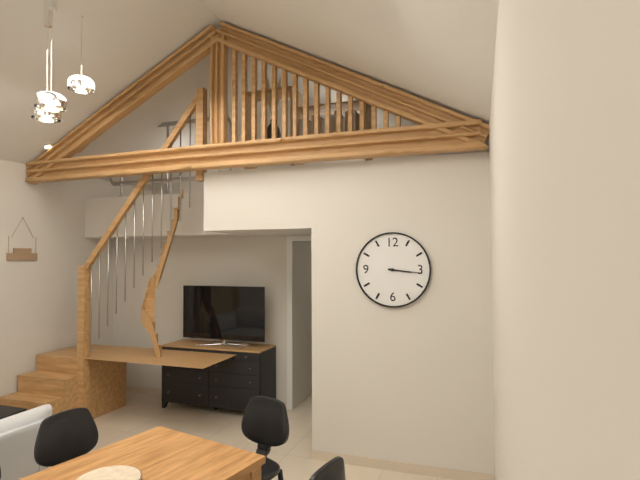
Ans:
3,16
